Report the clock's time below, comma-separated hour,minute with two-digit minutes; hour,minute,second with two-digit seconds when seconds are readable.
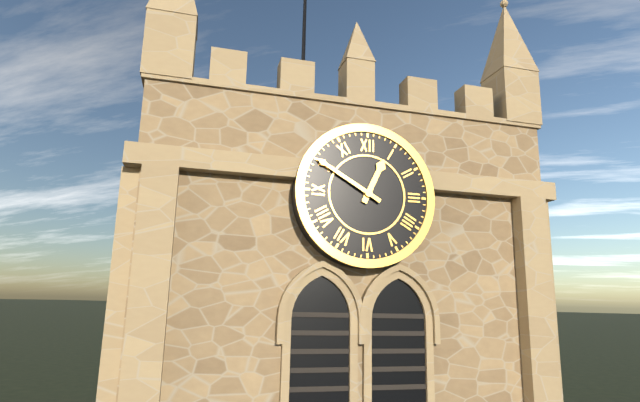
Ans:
12,50
